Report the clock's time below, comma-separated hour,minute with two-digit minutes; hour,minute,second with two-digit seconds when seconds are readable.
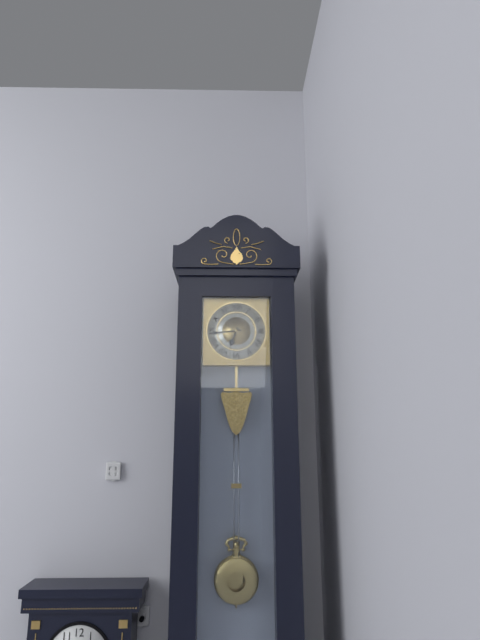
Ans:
6,44
